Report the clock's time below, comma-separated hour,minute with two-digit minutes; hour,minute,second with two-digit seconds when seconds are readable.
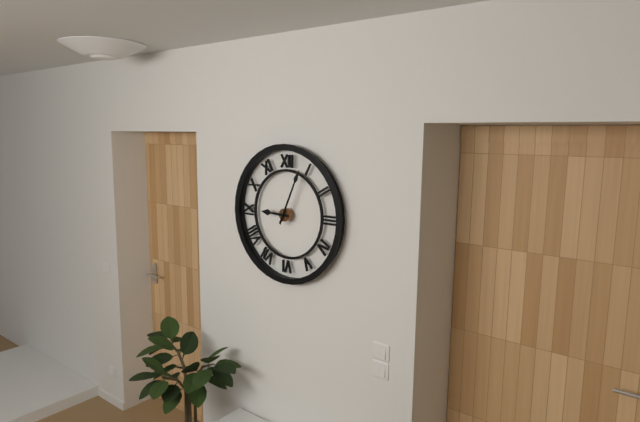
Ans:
9,04
